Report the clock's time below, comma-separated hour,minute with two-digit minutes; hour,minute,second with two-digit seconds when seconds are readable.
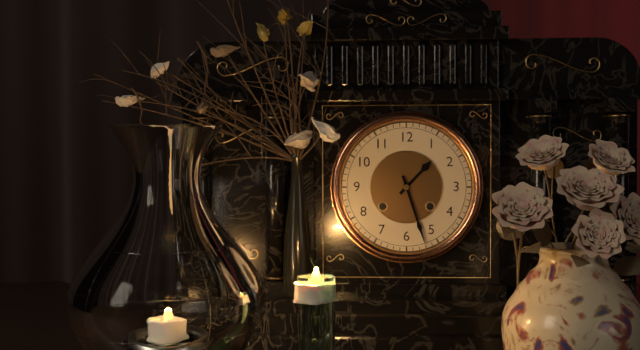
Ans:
1,27
